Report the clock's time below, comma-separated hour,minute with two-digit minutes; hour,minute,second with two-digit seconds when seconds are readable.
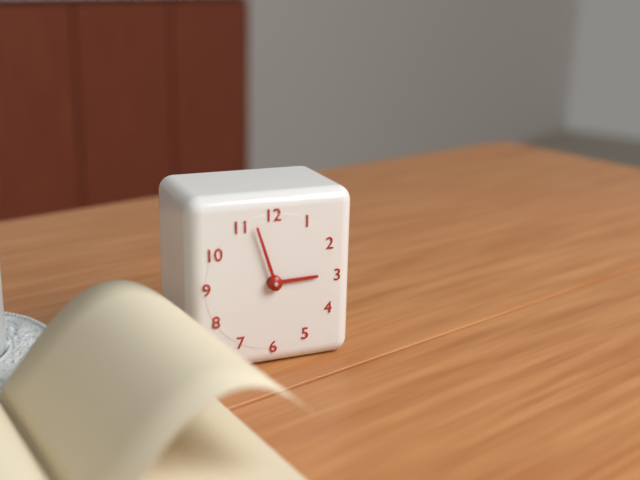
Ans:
2,57
